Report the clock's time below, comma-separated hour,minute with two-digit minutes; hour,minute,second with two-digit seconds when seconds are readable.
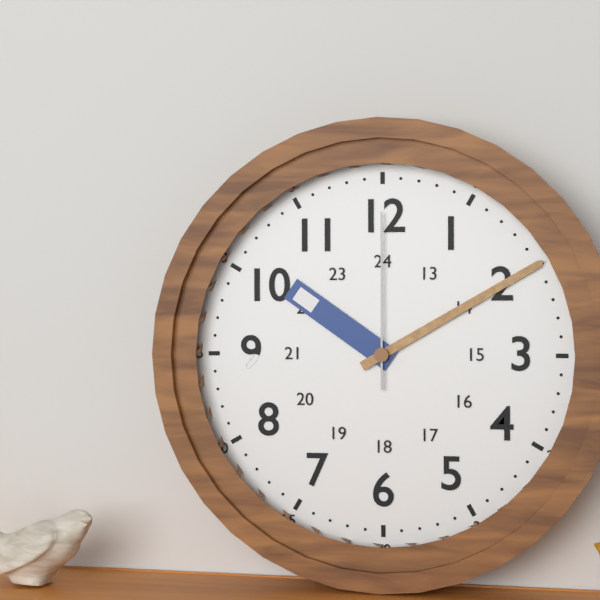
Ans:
10,10,00
